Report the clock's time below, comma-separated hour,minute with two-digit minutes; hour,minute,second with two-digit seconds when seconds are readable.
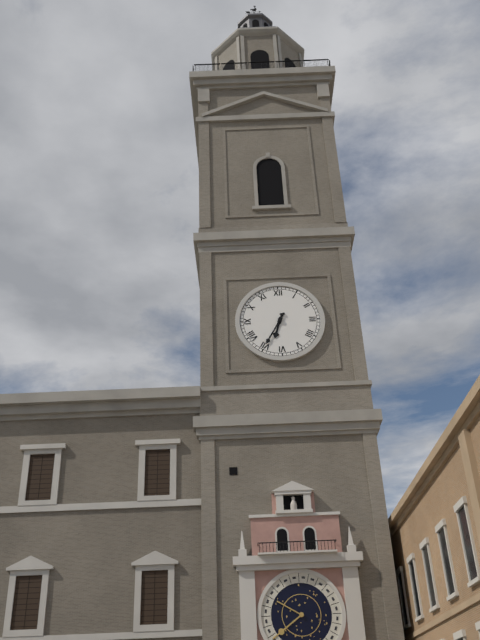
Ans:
6,35
